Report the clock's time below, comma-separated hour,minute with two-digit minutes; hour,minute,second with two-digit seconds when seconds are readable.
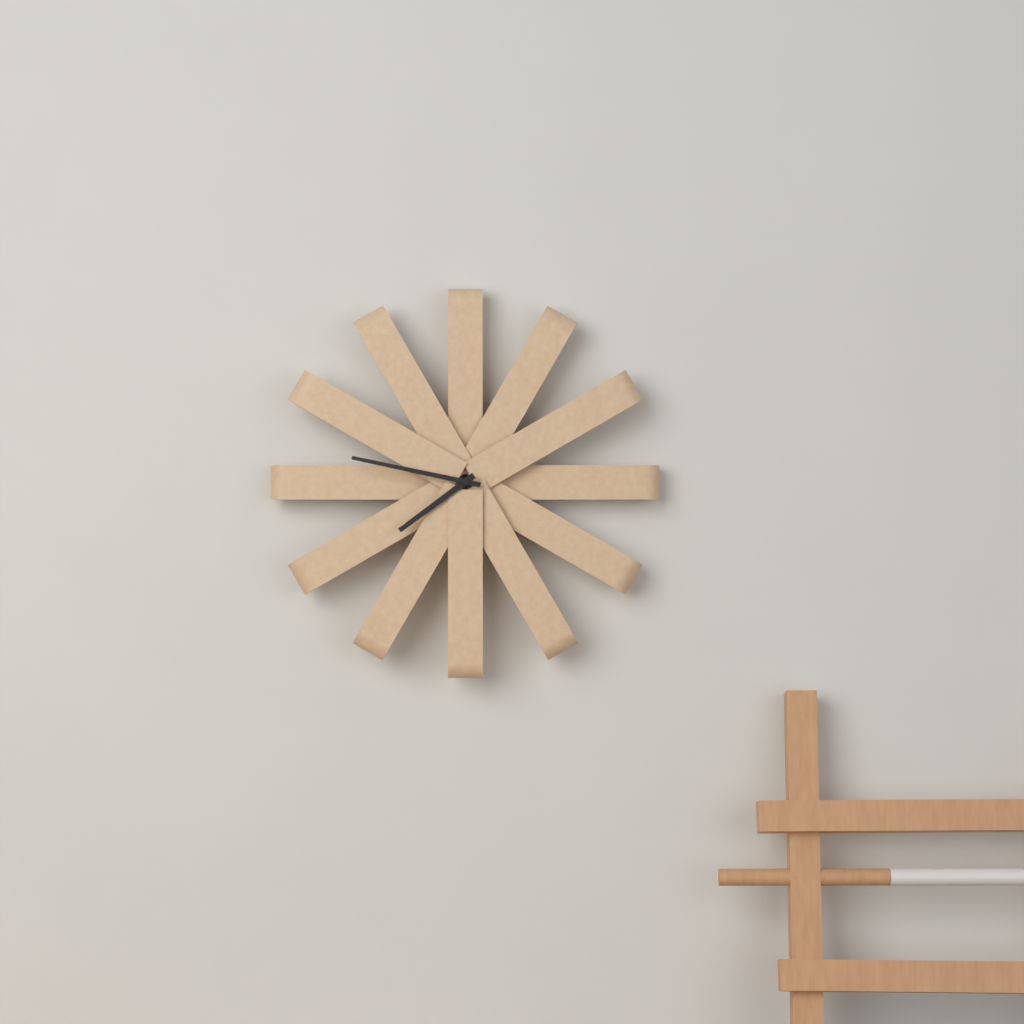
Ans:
7,47
